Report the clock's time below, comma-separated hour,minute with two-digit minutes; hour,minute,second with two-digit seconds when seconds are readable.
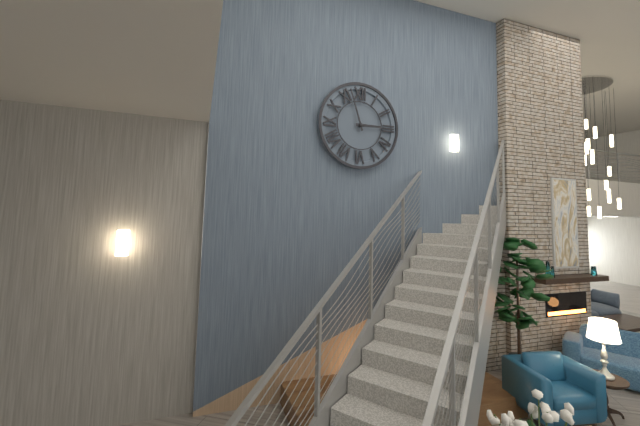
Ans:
2,57
